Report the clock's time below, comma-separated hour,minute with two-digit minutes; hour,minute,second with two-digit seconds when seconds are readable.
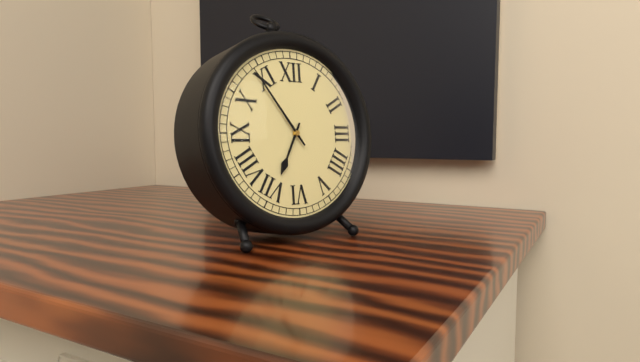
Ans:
6,54
